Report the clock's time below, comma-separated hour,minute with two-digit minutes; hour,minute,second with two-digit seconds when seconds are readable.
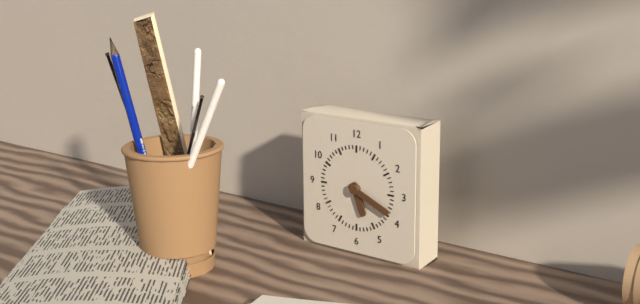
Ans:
5,19
